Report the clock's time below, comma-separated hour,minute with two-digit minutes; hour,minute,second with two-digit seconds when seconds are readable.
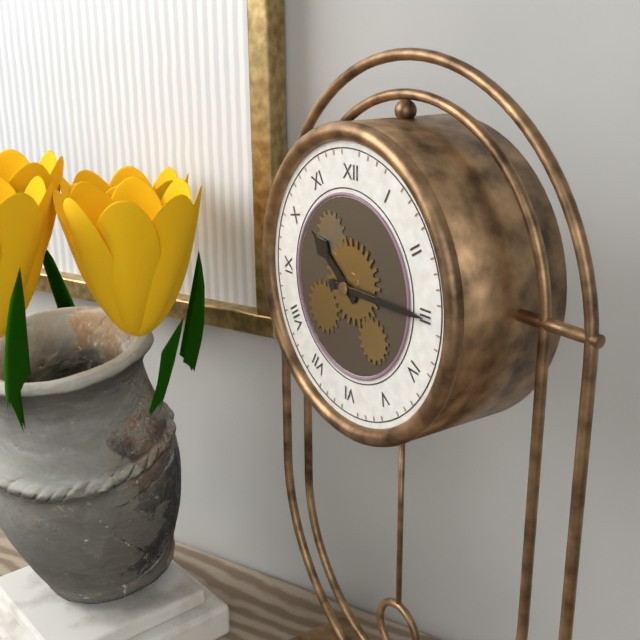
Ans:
10,15
